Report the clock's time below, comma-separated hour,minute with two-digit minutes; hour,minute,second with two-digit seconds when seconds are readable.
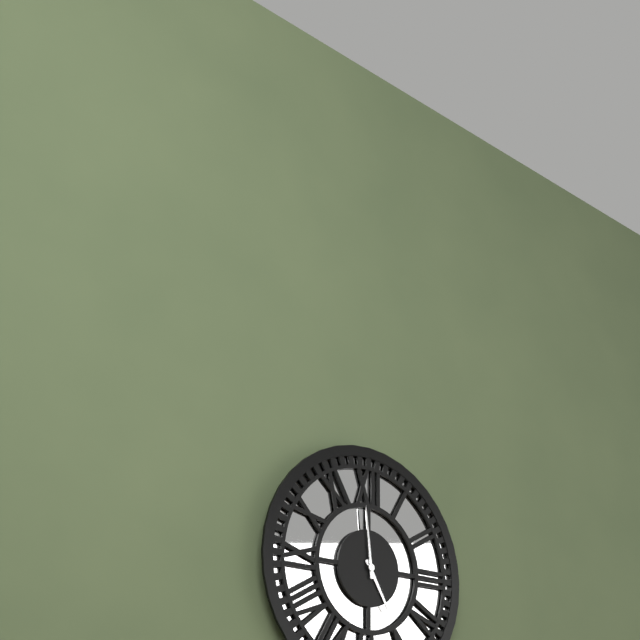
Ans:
4,59
